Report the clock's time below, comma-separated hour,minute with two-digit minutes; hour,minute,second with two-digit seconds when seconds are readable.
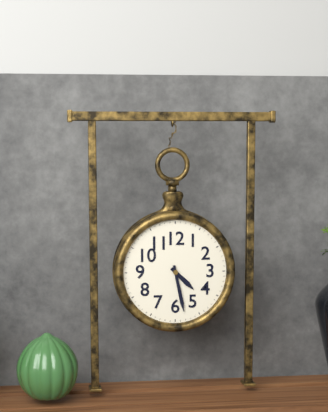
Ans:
4,28
